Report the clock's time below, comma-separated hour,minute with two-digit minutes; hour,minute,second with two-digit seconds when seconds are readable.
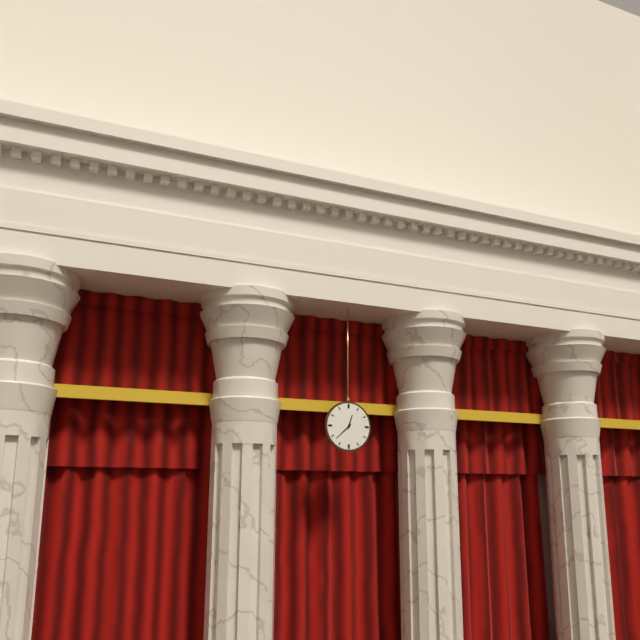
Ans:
12,38
